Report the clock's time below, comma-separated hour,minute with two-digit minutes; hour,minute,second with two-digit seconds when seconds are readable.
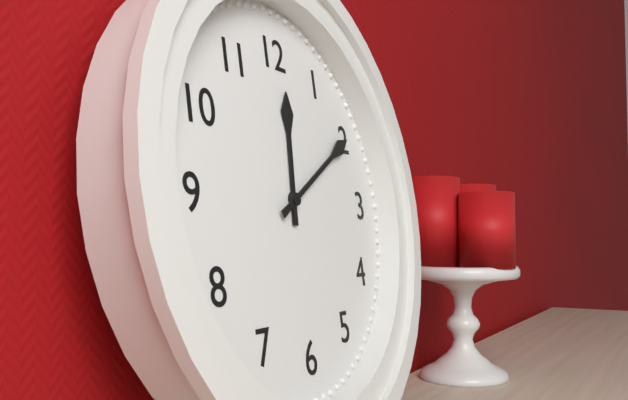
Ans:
12,10
